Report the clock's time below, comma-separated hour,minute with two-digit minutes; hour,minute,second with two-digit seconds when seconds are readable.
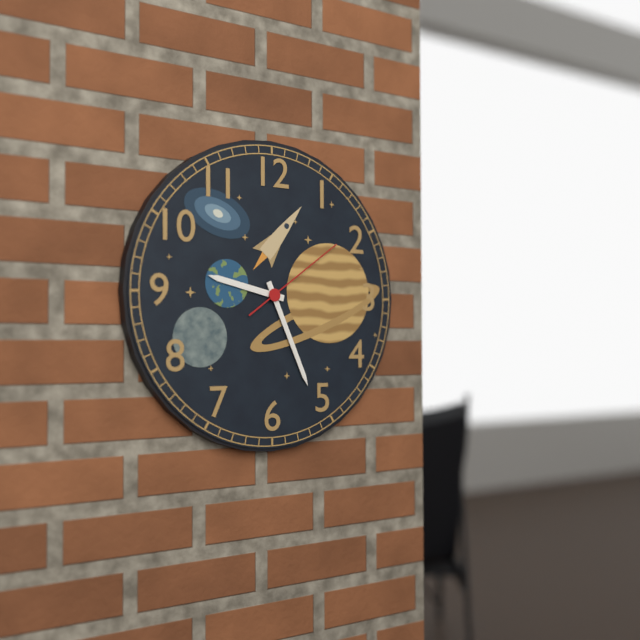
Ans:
9,26,09
